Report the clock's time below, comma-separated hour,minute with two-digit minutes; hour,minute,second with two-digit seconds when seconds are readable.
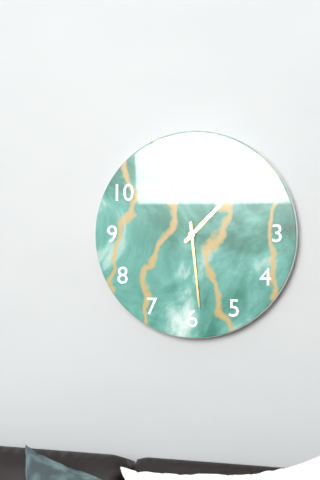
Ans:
1,29
